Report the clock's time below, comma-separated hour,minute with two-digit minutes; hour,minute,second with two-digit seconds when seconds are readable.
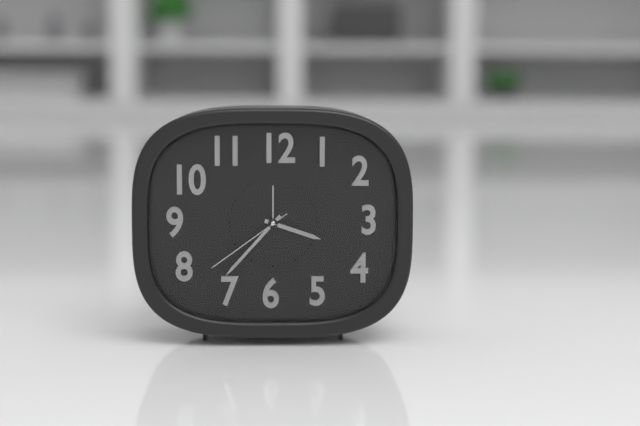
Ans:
3,37,39
